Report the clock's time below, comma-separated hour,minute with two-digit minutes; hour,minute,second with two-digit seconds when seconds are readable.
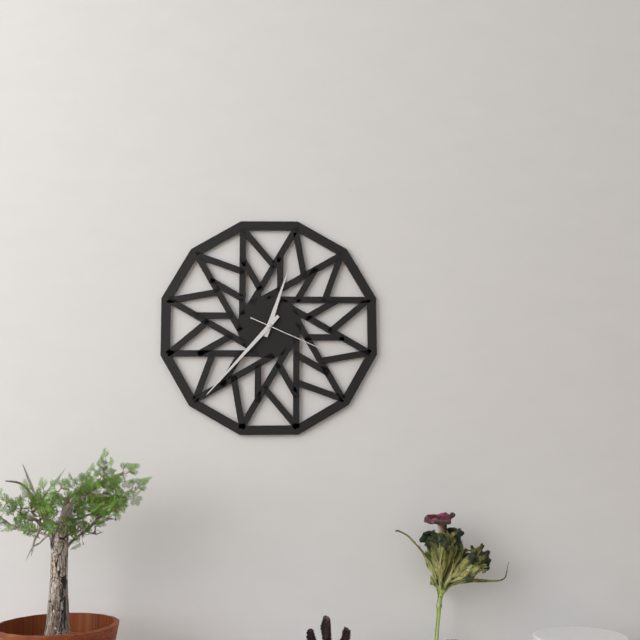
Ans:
12,37,19
